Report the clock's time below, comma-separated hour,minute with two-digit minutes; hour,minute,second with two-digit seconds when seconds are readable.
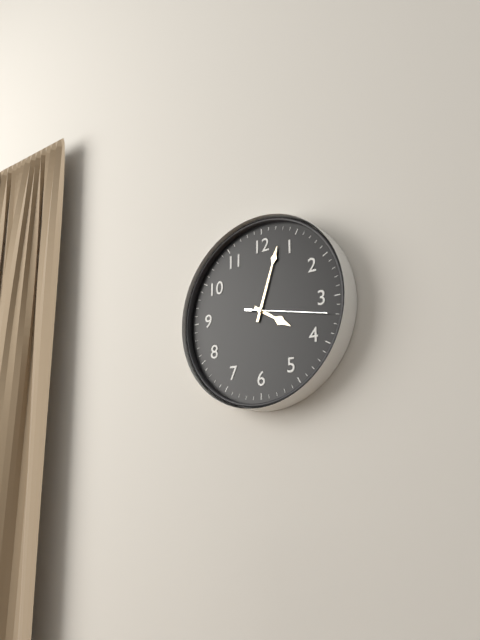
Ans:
4,03,17
